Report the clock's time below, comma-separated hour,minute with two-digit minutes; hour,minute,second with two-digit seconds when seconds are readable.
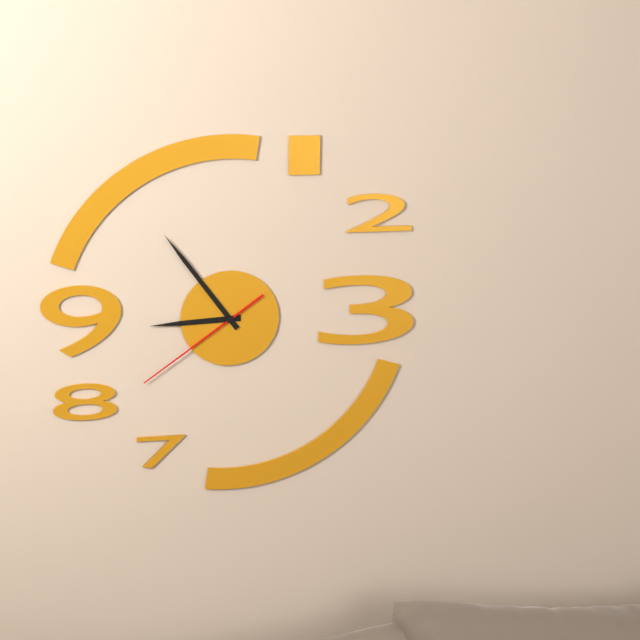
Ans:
8,54,39
